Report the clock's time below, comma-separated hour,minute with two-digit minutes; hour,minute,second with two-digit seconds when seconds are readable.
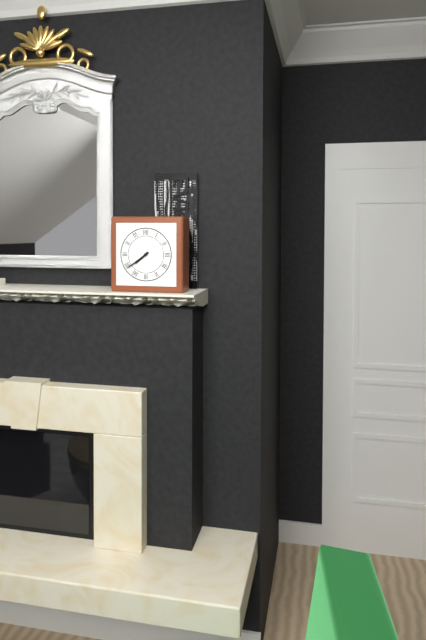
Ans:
7,39
